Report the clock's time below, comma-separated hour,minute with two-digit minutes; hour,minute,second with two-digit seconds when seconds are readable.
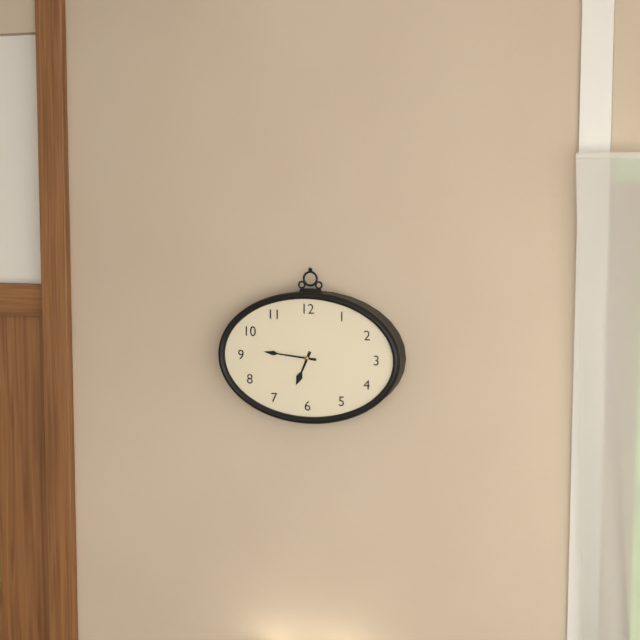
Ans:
6,46
